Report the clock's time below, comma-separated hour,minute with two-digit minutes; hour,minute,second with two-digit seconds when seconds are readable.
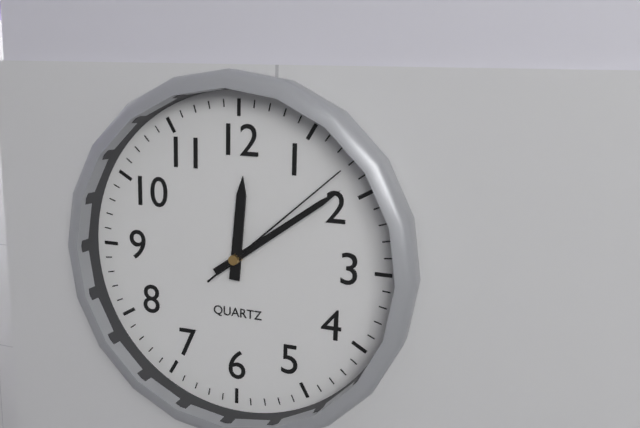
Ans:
12,09,08
